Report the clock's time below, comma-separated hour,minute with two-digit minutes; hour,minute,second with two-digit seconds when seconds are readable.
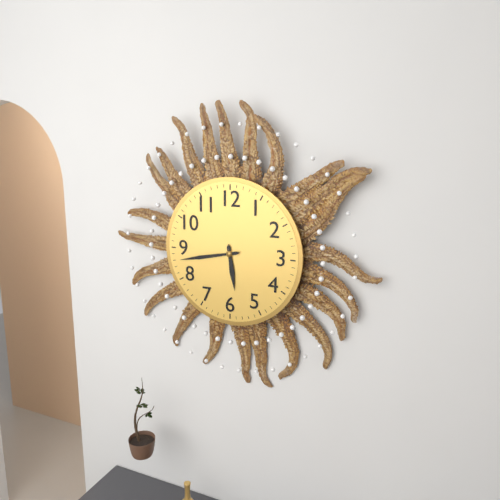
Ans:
5,43
